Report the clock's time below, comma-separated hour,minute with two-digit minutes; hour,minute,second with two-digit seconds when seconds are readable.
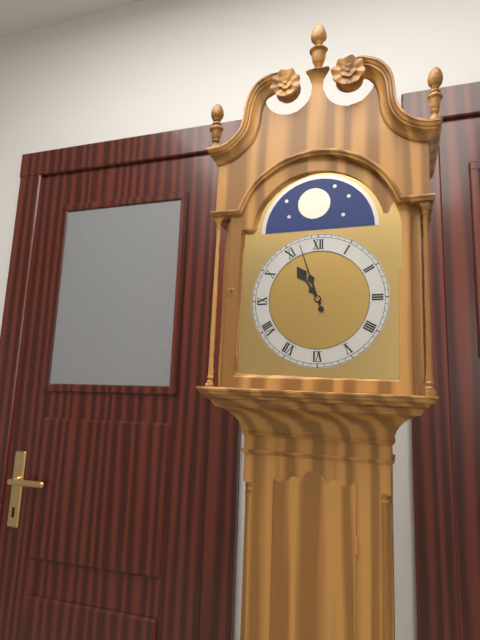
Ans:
10,57
